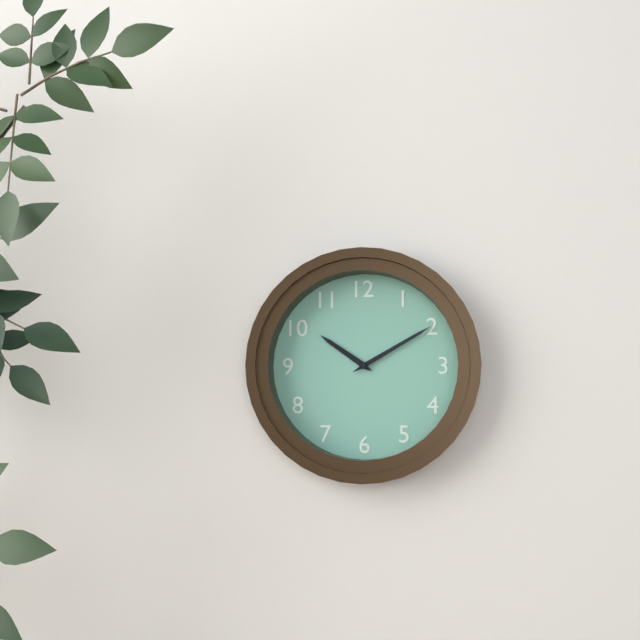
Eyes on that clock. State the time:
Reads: 10:10
